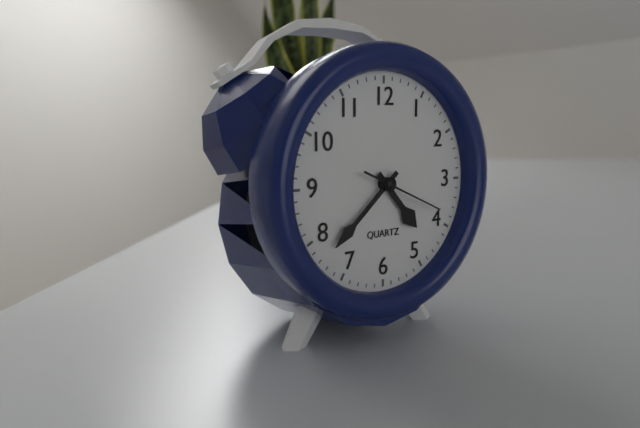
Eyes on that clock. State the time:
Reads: 4:38:19
